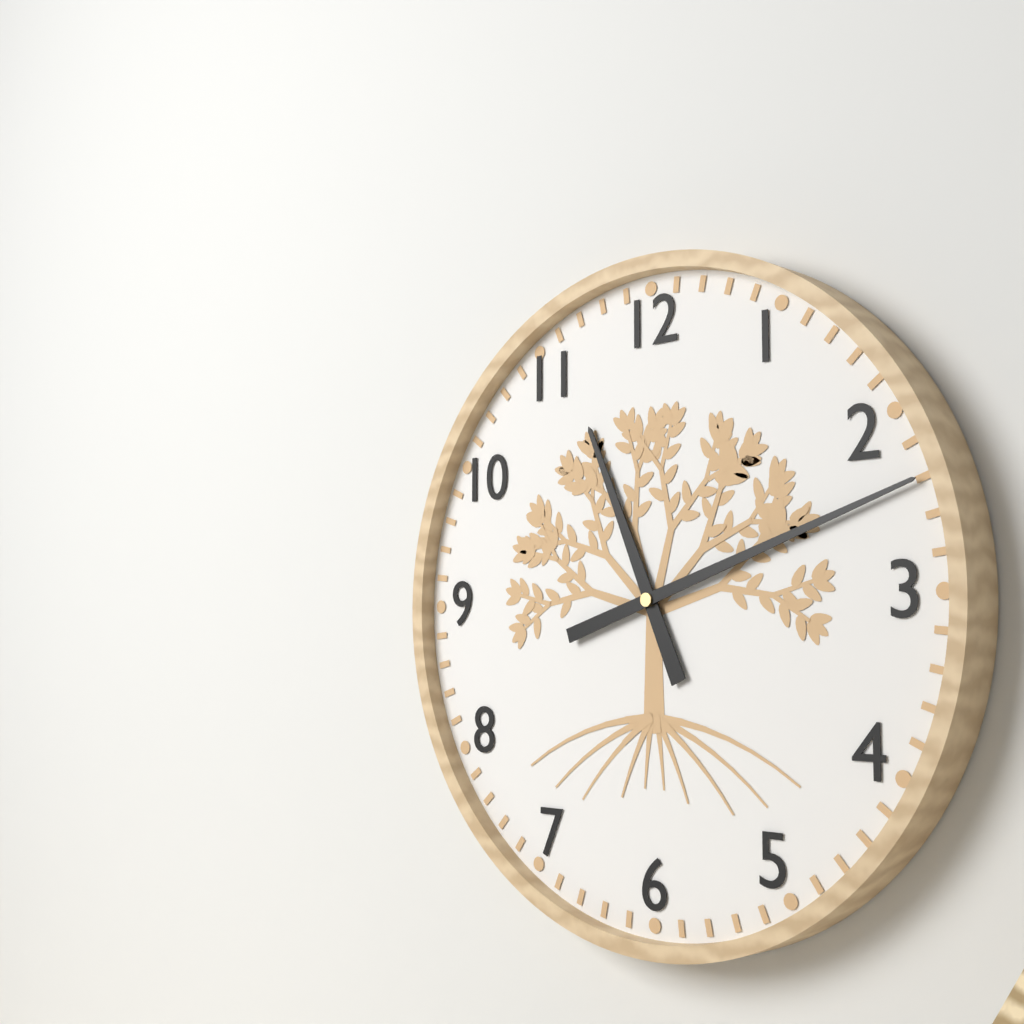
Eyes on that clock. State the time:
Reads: 11:12
